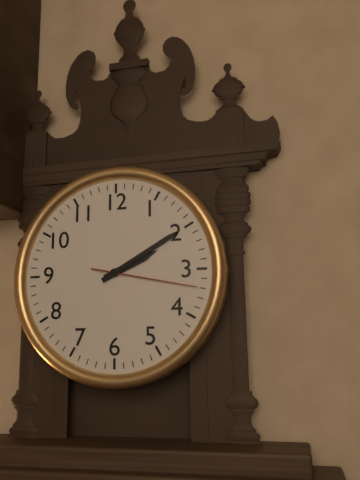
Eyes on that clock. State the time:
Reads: 2:10:17
